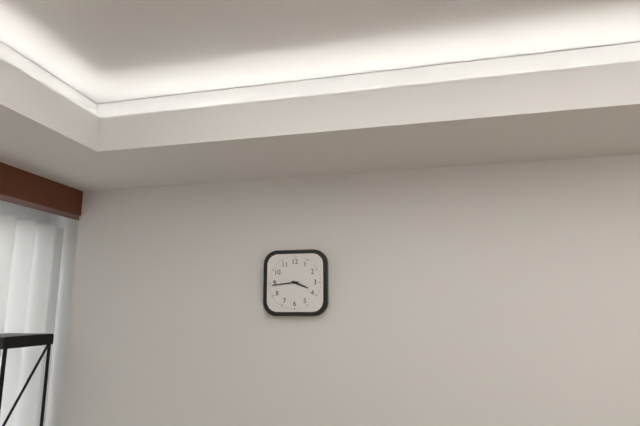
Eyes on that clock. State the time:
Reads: 3:44
